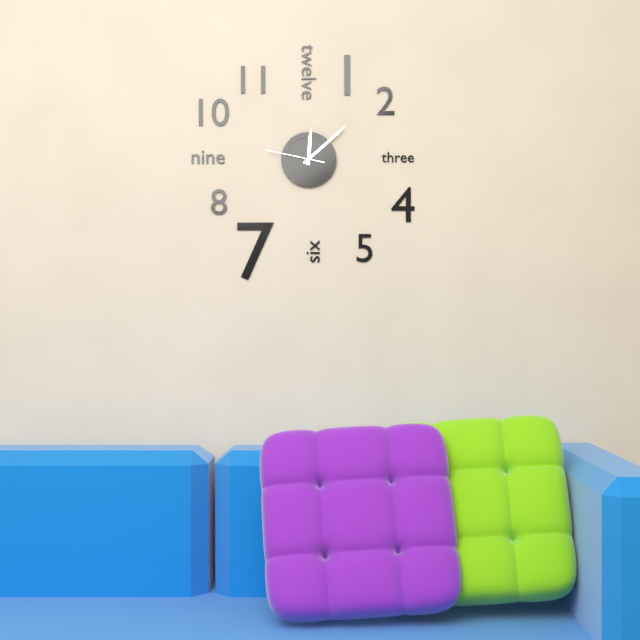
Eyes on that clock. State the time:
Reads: 12:08:47
